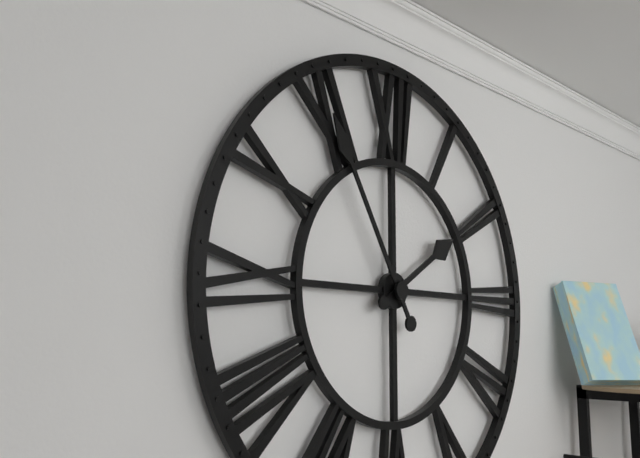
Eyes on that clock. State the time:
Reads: 1:55
